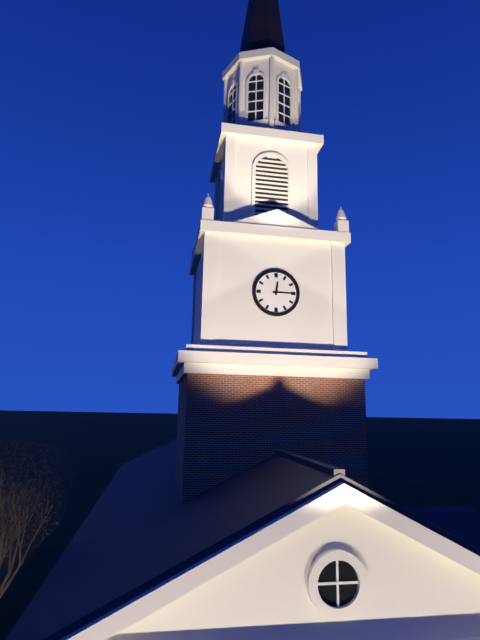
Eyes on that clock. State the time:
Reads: 12:15
